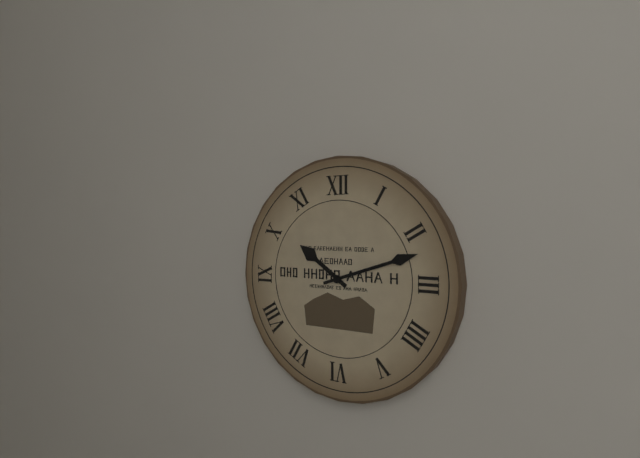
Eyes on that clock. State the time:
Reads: 10:12
